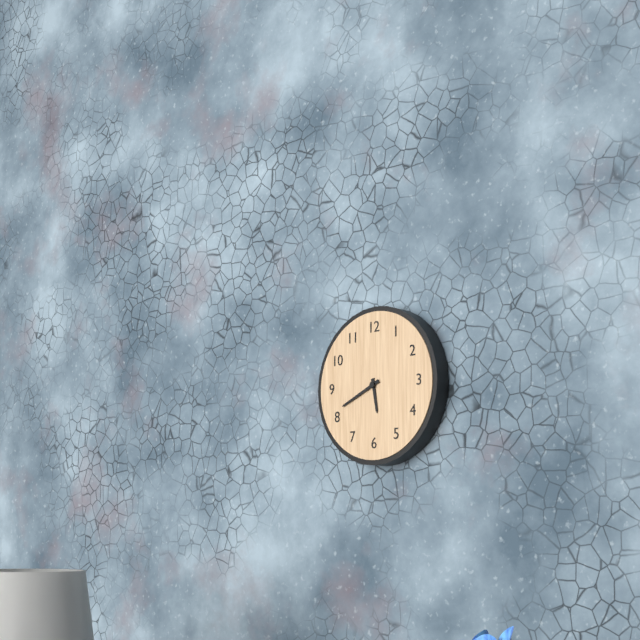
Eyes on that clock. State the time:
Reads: 5:41
